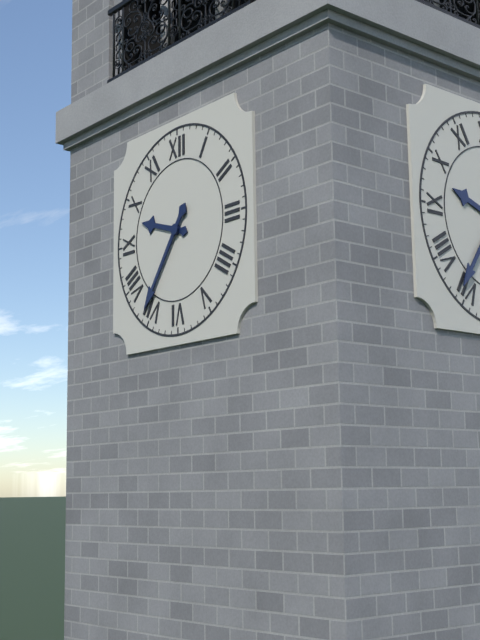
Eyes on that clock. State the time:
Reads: 9:36
